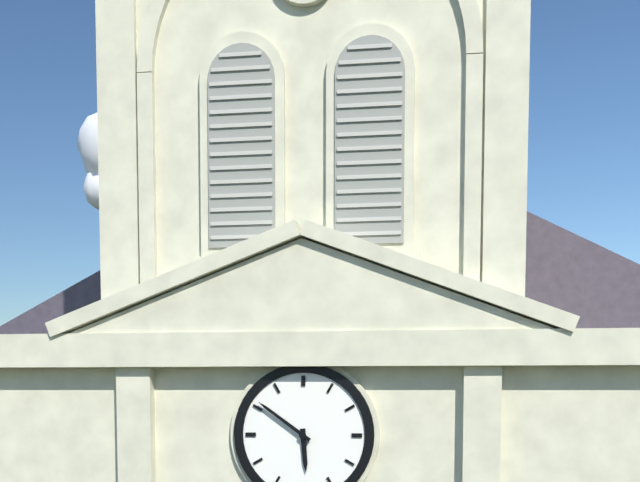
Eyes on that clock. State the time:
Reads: 5:51
